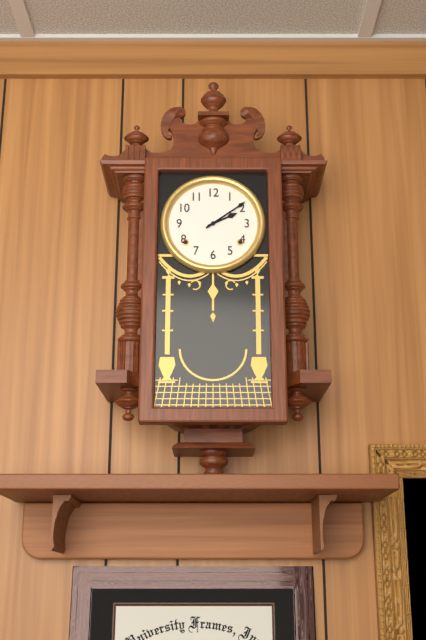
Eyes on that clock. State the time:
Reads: 2:09
